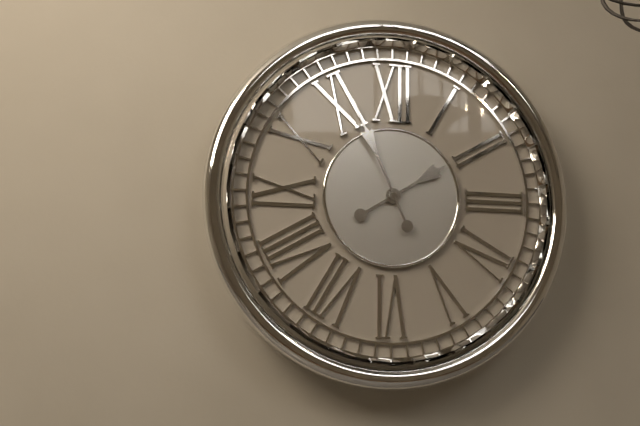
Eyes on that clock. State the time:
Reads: 1:56
